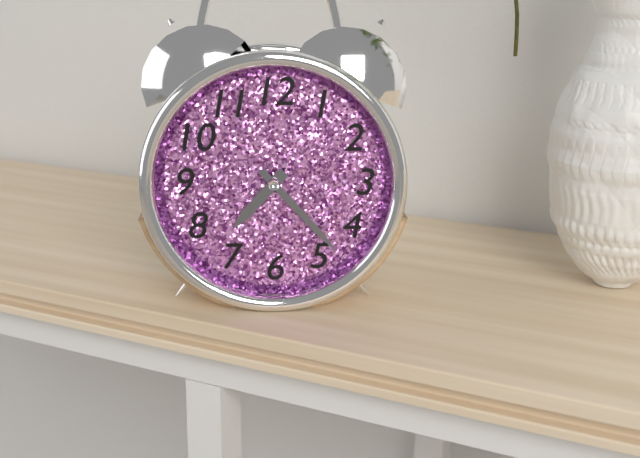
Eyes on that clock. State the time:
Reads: 7:23
